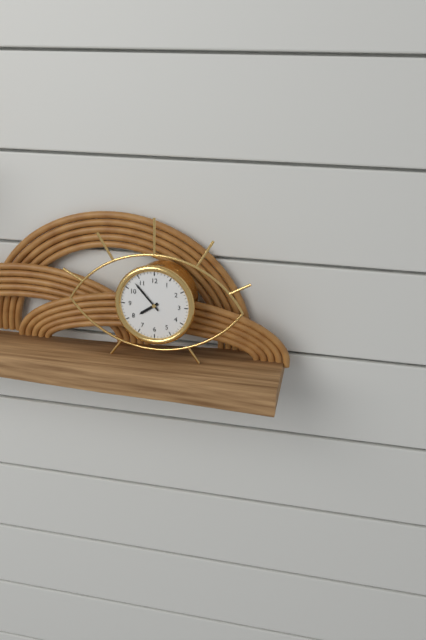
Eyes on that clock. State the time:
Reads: 7:53
